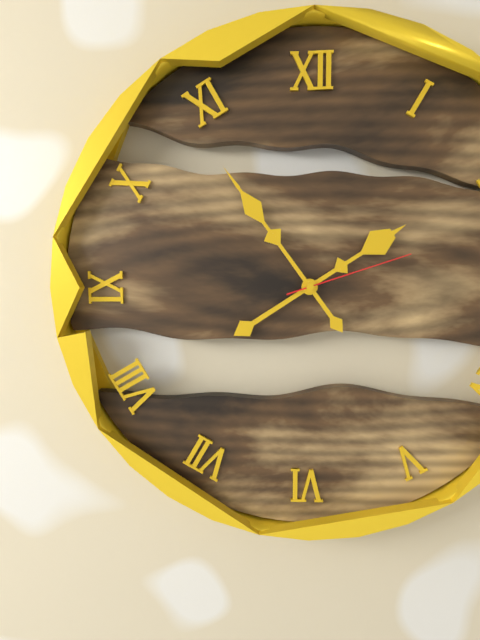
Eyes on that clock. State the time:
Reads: 1:54:12
